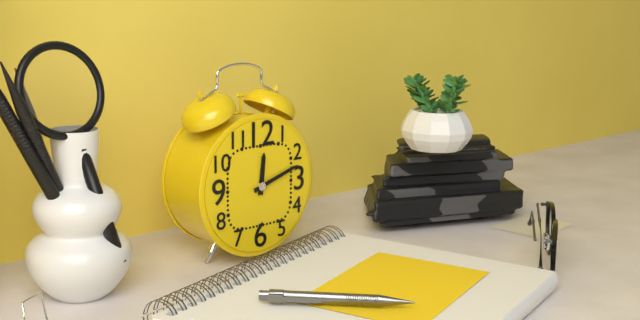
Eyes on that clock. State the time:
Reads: 12:12
